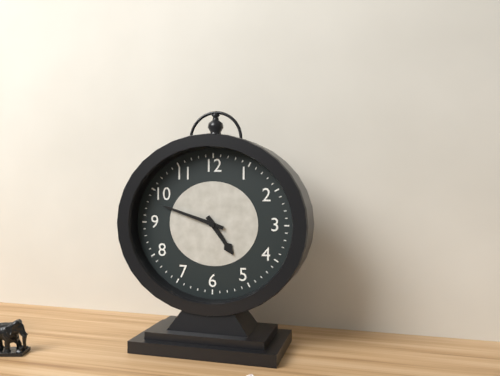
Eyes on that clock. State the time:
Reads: 4:48
